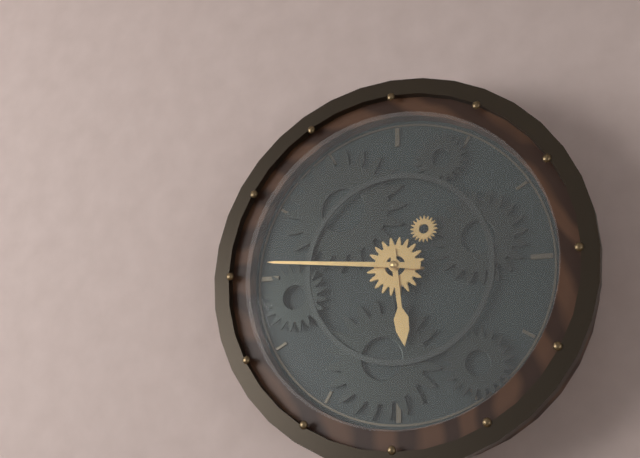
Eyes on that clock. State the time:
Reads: 5:46
